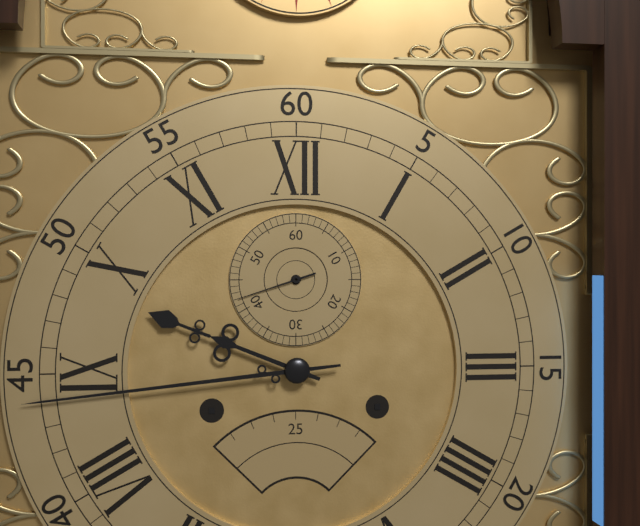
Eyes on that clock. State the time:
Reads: 9:44:42
